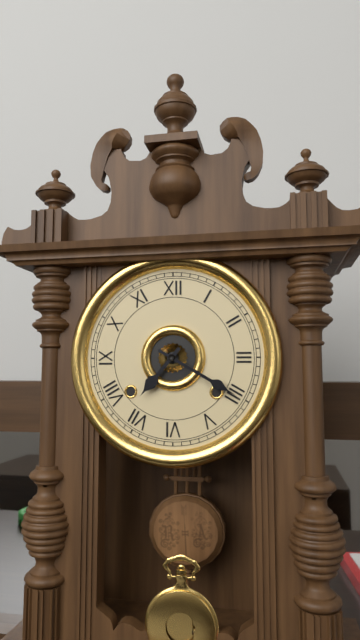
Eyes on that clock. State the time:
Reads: 7:20
